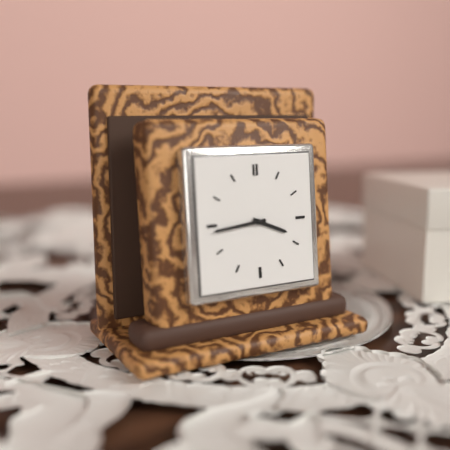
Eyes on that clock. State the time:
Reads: 3:44
